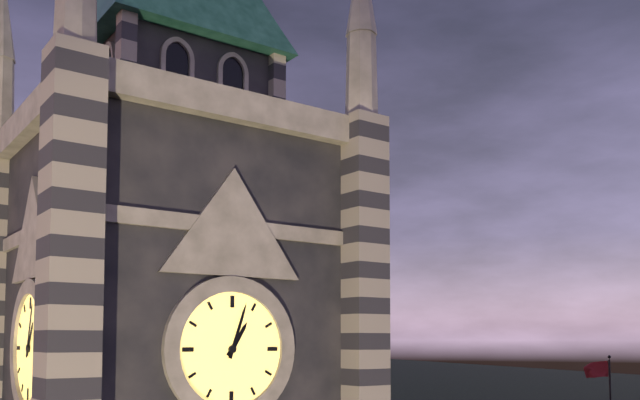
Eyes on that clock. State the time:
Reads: 1:03
